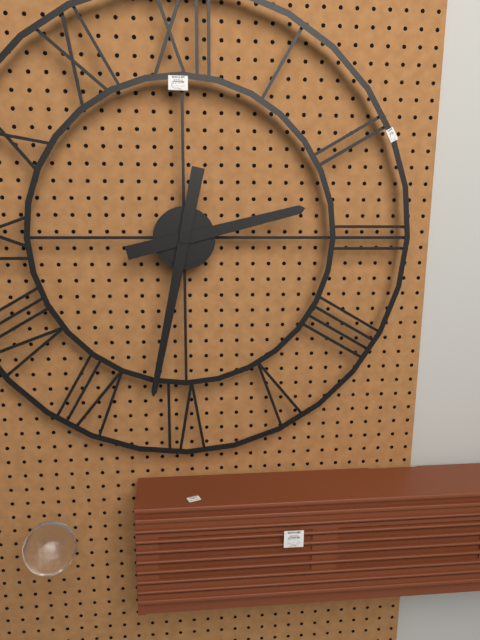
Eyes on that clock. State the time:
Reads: 2:32
